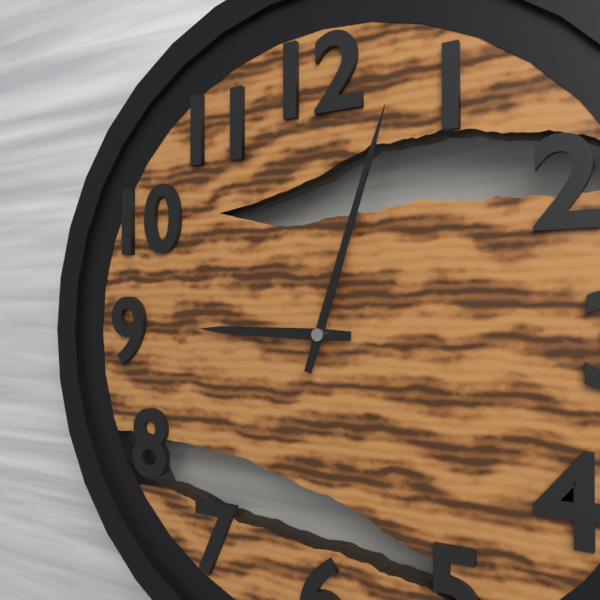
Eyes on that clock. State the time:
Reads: 9:03
